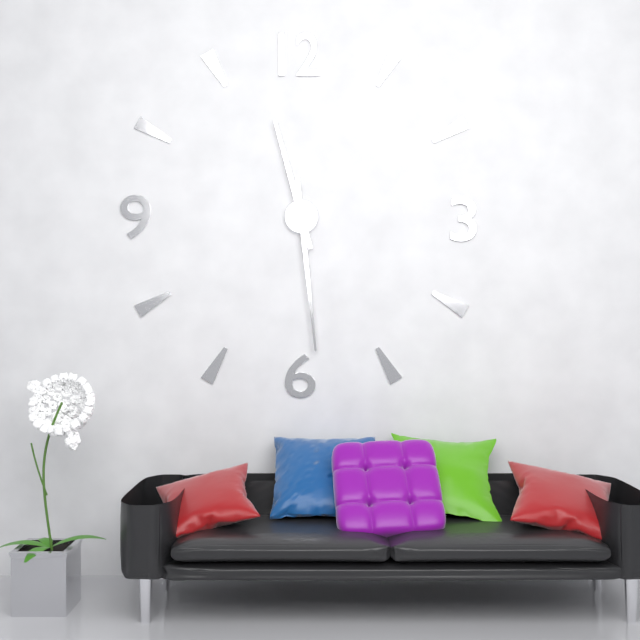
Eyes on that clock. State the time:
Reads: 11:29
